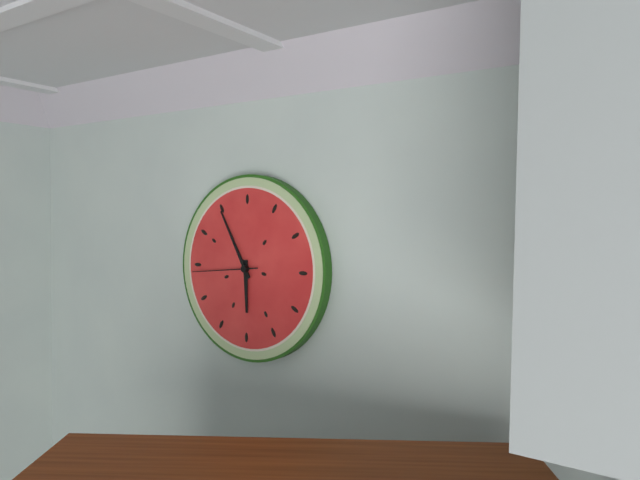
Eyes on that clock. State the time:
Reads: 5:55:44
